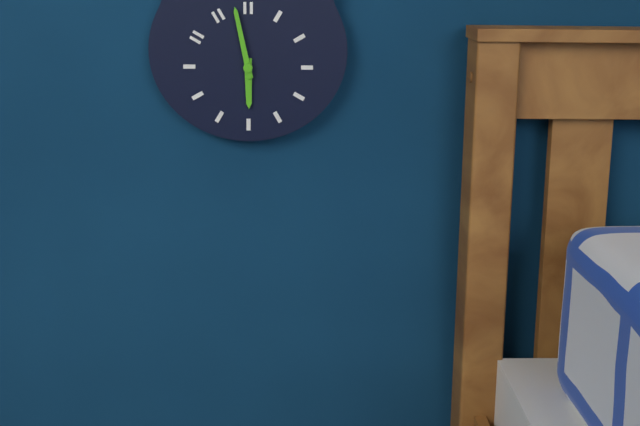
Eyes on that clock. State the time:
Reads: 5:58
